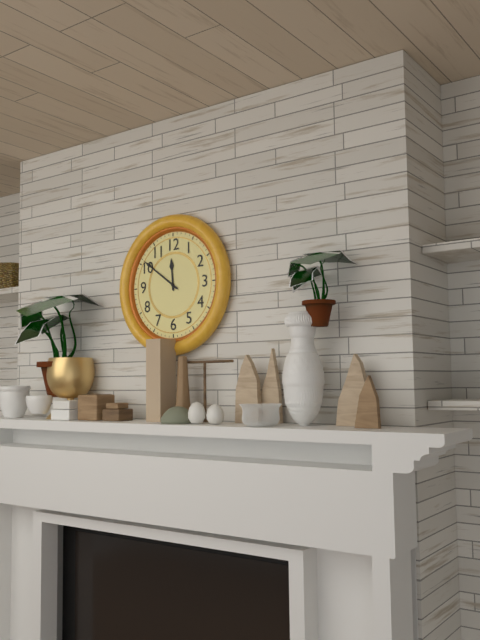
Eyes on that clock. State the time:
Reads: 11:51
